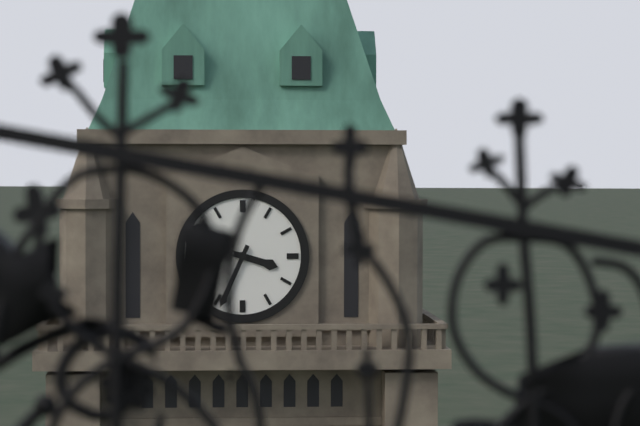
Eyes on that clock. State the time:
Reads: 3:34
